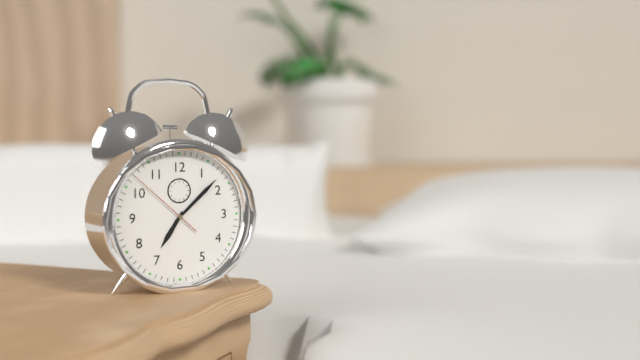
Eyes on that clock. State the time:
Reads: 7:08:52
